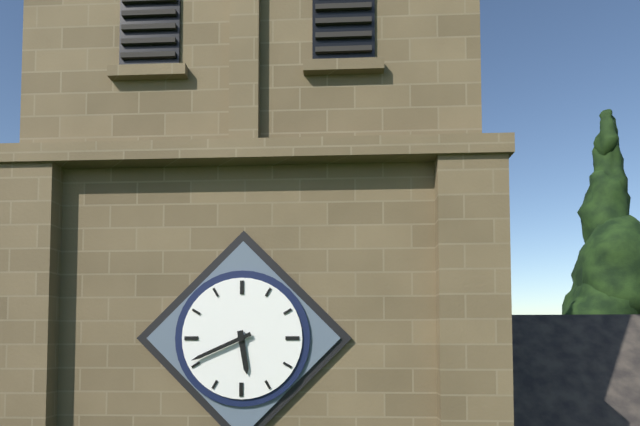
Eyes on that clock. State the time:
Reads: 5:41
